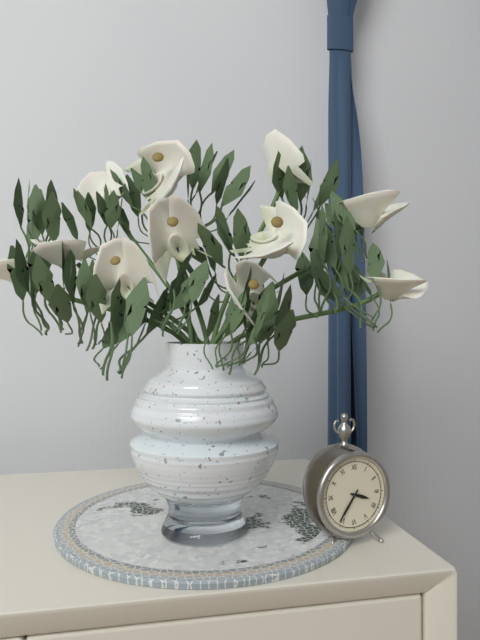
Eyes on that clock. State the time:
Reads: 3:36
